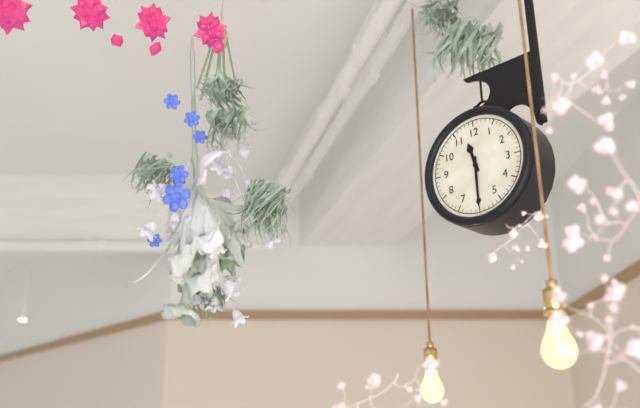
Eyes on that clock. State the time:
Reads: 11:30
